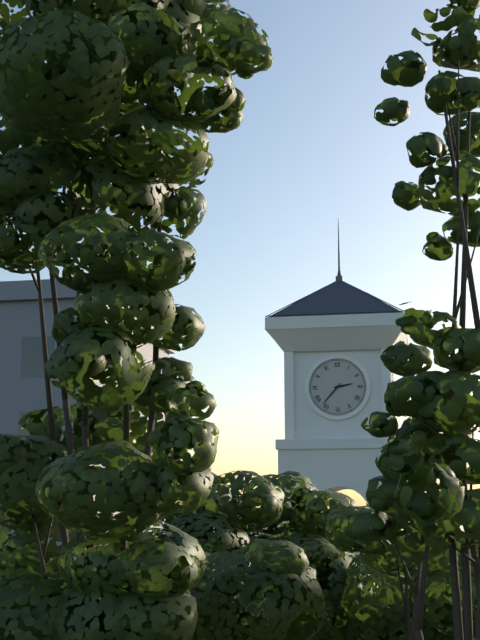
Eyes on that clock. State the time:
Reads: 2:37
